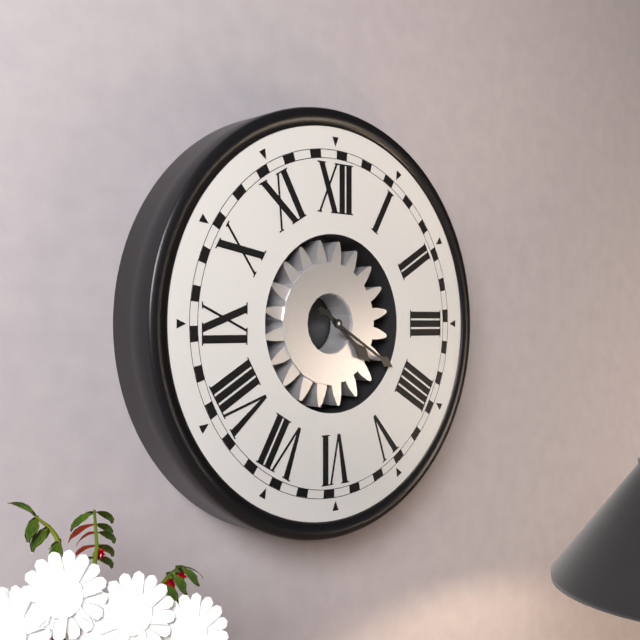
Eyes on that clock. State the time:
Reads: 4:20
